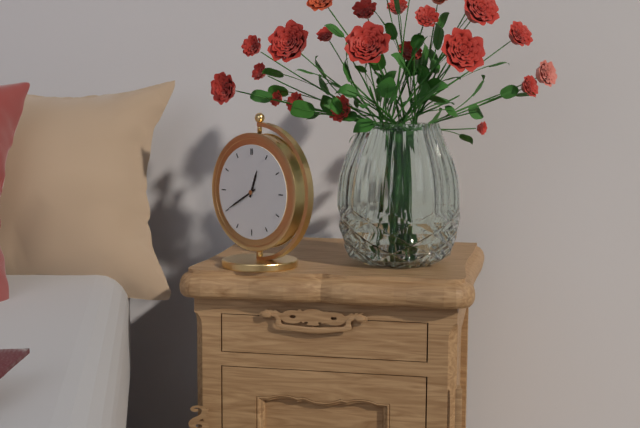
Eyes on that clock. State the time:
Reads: 12:40
